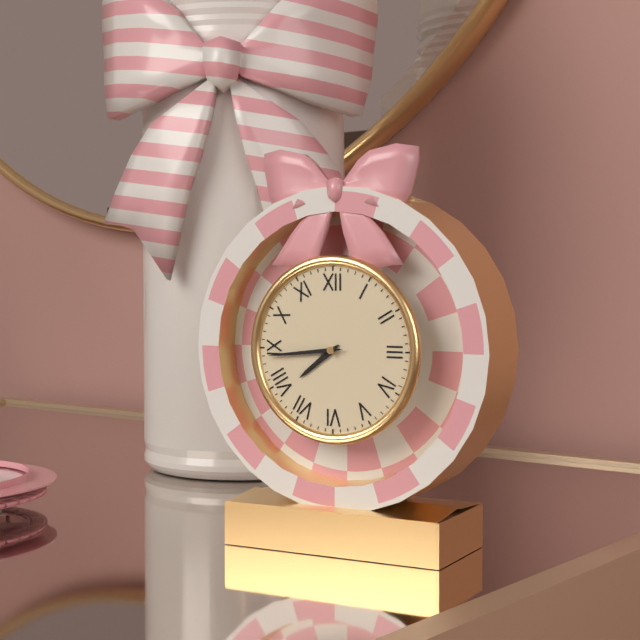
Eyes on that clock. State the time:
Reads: 7:44
